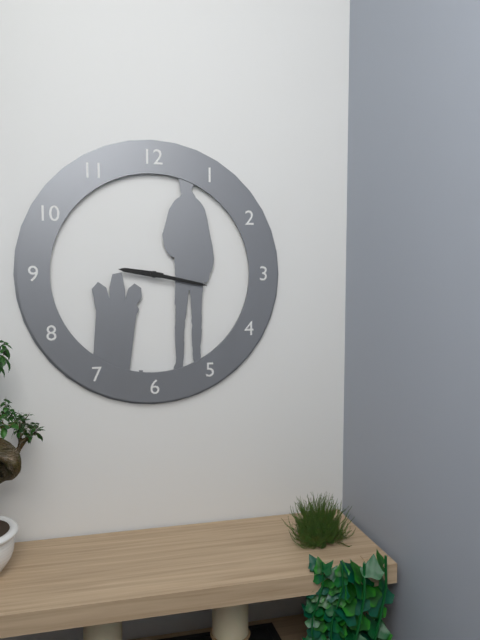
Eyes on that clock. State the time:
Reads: 9:17
